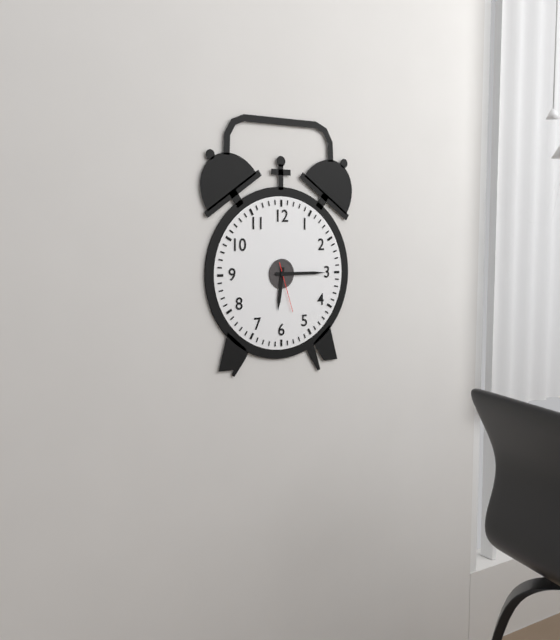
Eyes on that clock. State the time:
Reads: 6:15
